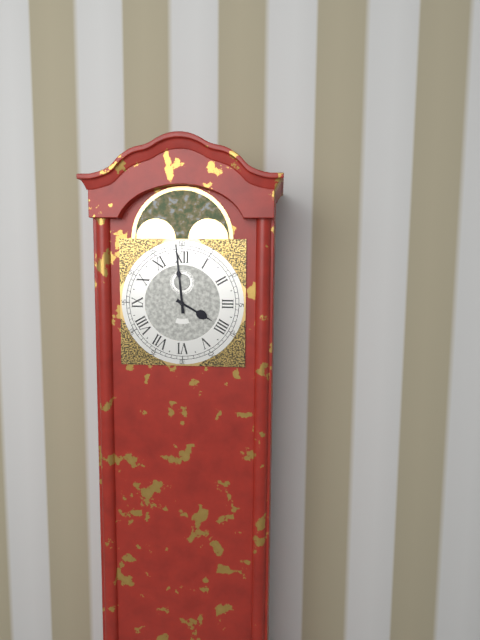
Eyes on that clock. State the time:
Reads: 3:59
